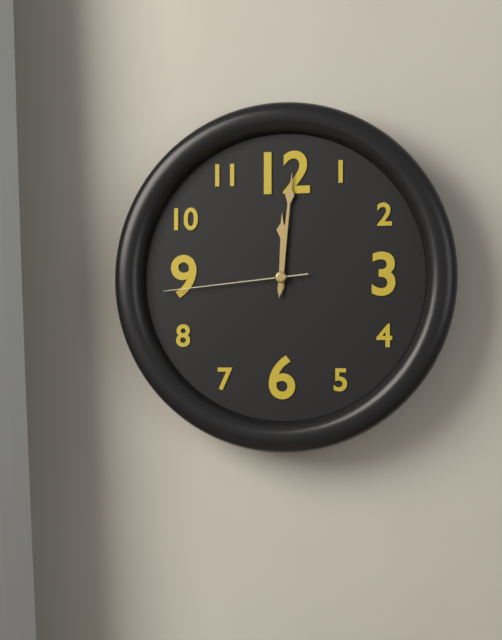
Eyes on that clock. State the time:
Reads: 12:01:44
